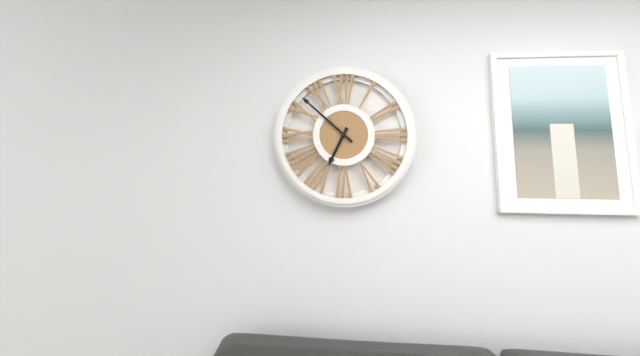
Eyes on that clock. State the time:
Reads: 6:52
